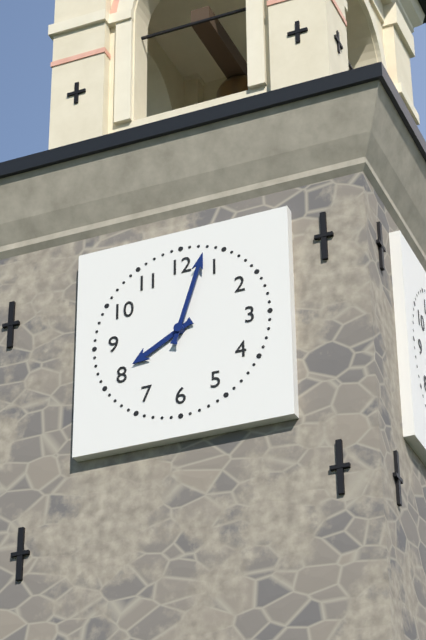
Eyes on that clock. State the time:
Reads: 8:03
